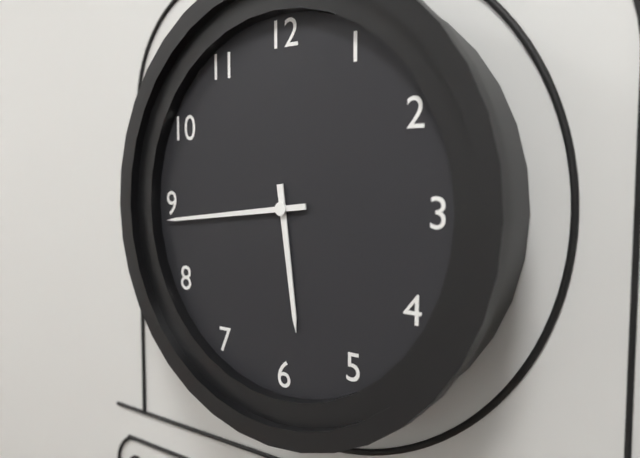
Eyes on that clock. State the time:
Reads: 5:44
